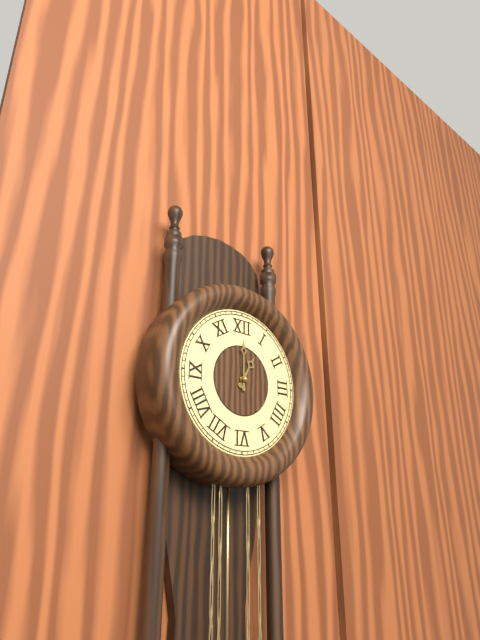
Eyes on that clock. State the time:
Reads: 1:00
